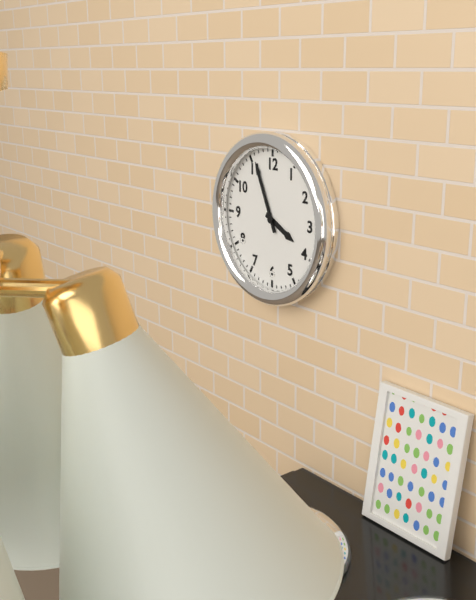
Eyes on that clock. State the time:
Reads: 3:56
